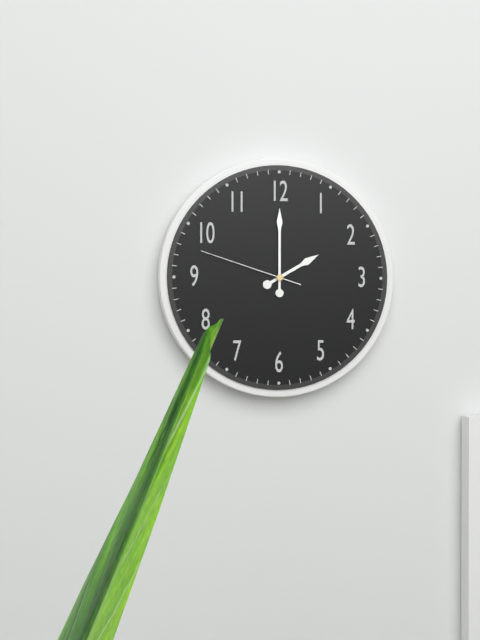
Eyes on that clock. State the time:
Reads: 2:00:48
